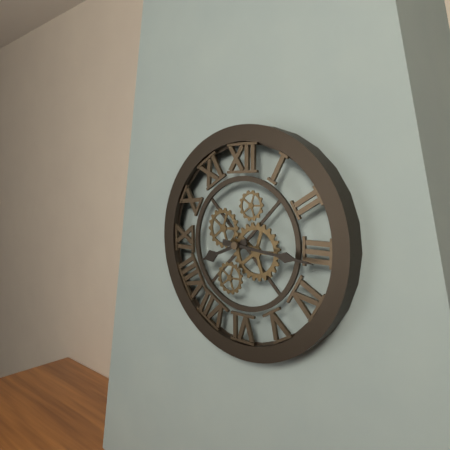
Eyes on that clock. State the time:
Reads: 8:16
